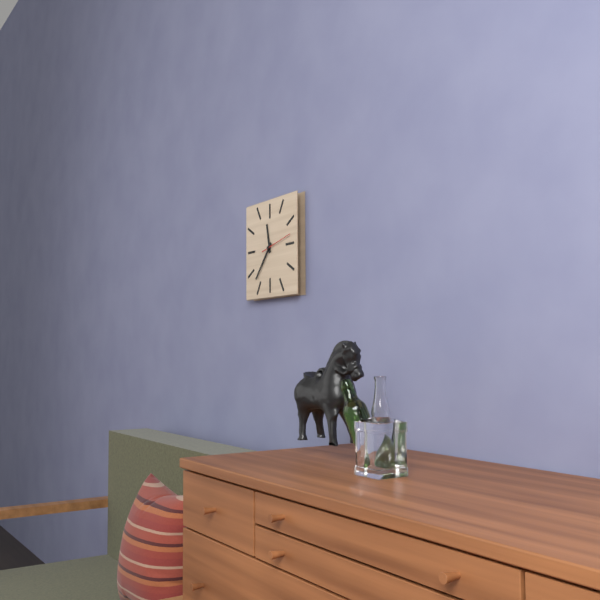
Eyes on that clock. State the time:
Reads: 11:37
